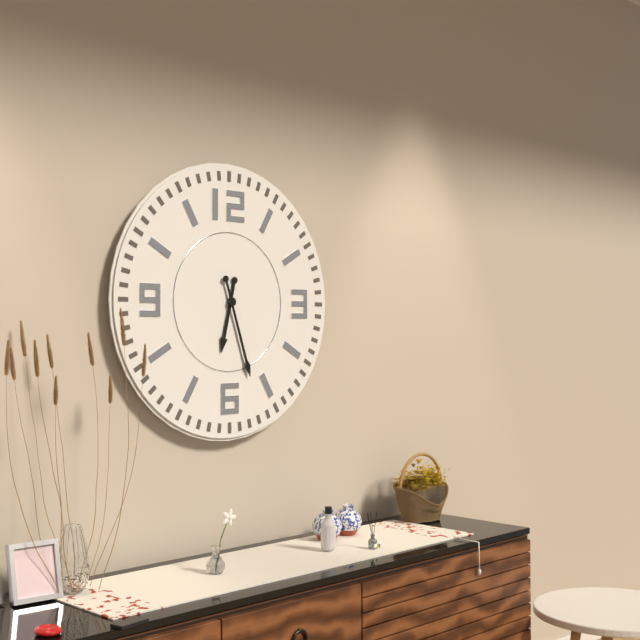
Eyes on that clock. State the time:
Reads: 6:27
